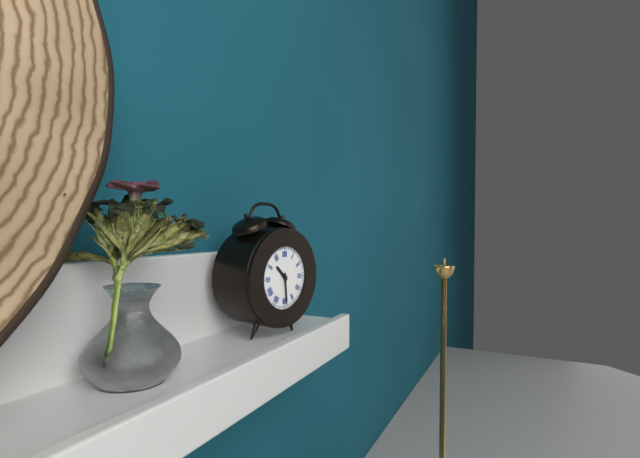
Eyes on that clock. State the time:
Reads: 10:29
